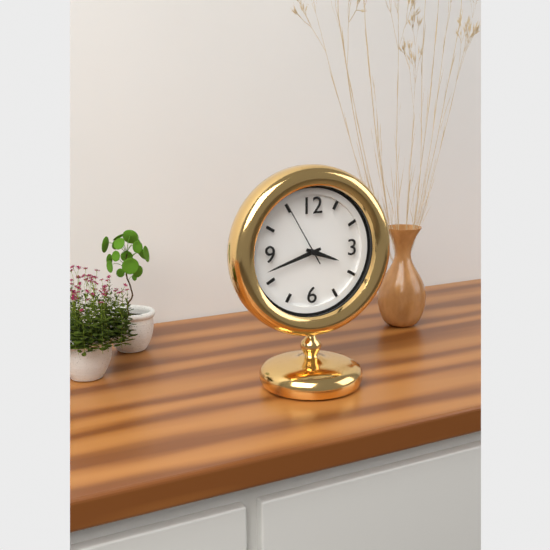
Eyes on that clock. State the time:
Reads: 3:42:55
